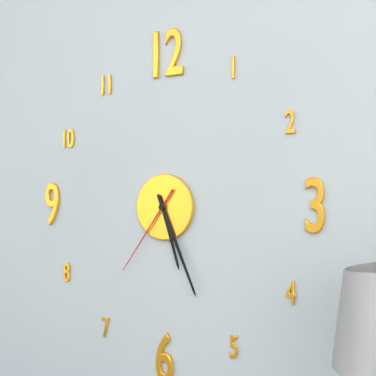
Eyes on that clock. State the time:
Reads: 5:26:36
